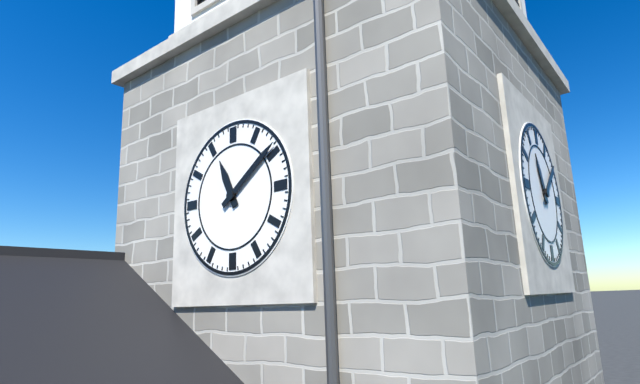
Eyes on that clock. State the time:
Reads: 11:09
